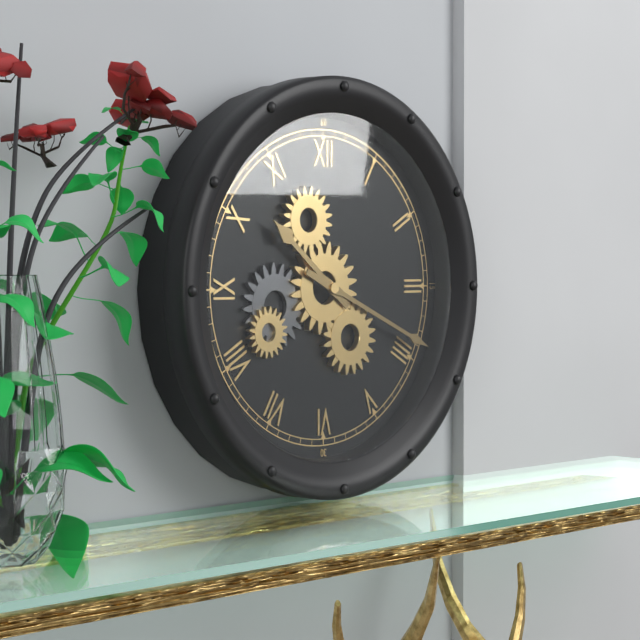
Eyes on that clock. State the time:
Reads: 10:19
